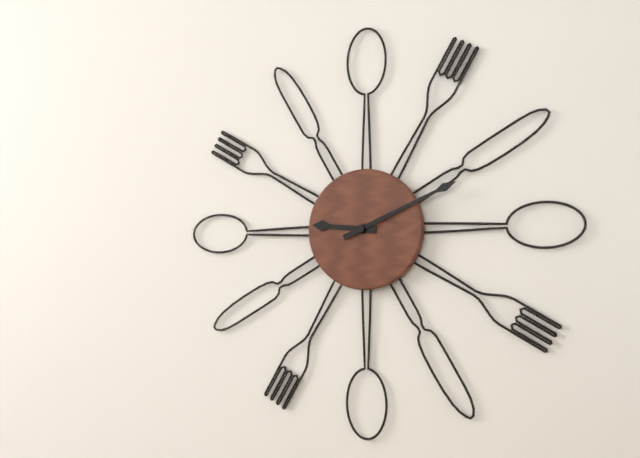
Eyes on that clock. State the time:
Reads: 9:11
